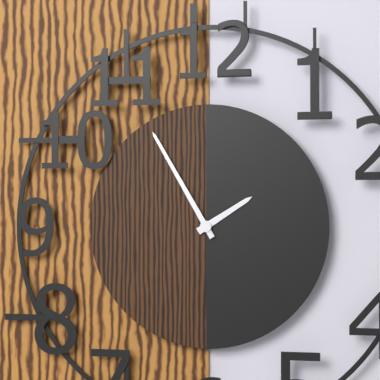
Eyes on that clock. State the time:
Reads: 1:55
